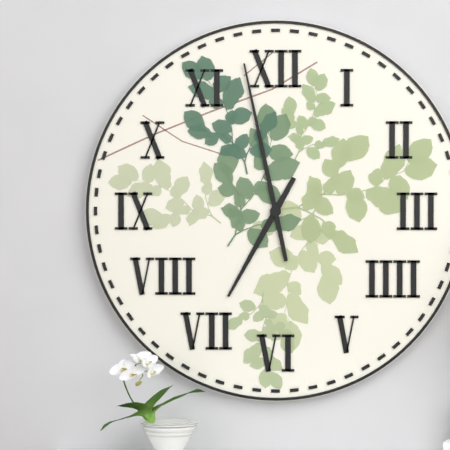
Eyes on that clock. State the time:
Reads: 6:58
